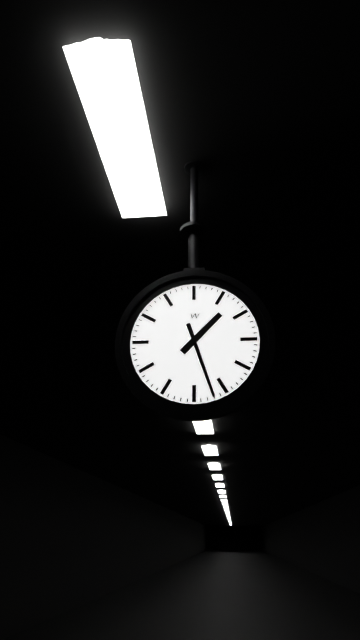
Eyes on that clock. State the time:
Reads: 1:27
